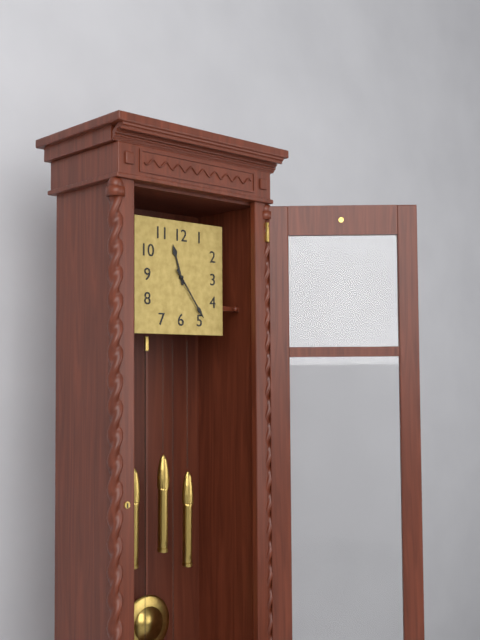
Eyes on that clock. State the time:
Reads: 11:24
